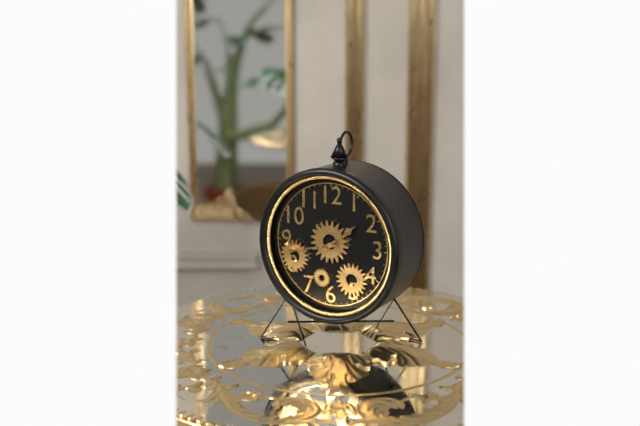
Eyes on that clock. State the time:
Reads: 1:43
